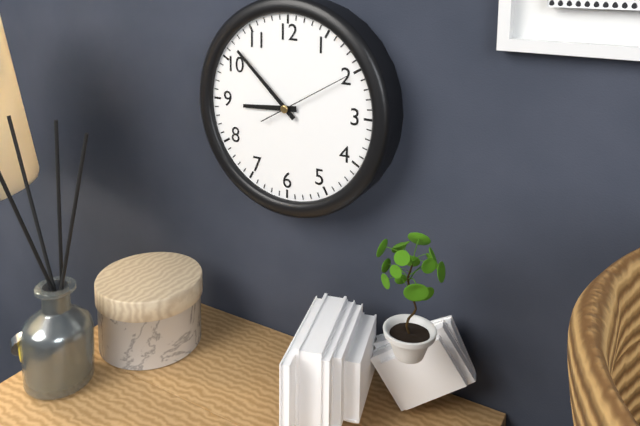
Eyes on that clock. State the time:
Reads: 8:52:10
